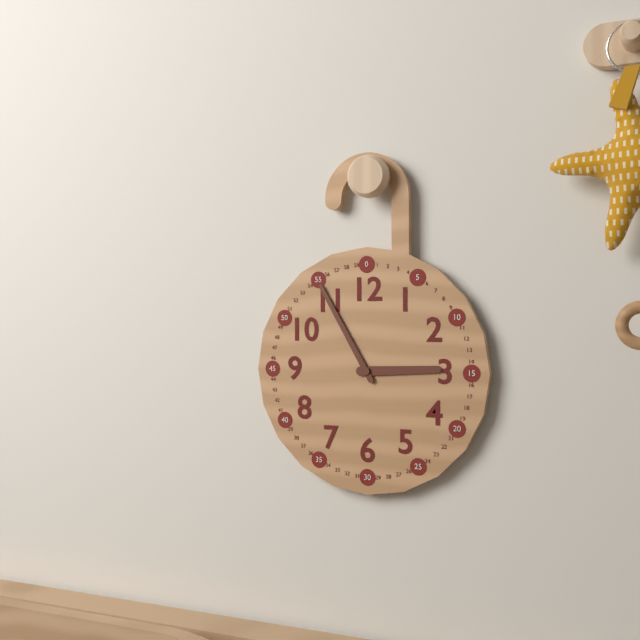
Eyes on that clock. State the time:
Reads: 2:55
